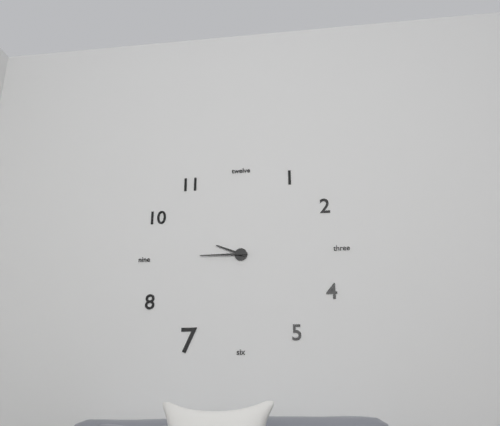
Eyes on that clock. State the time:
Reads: 9:45
